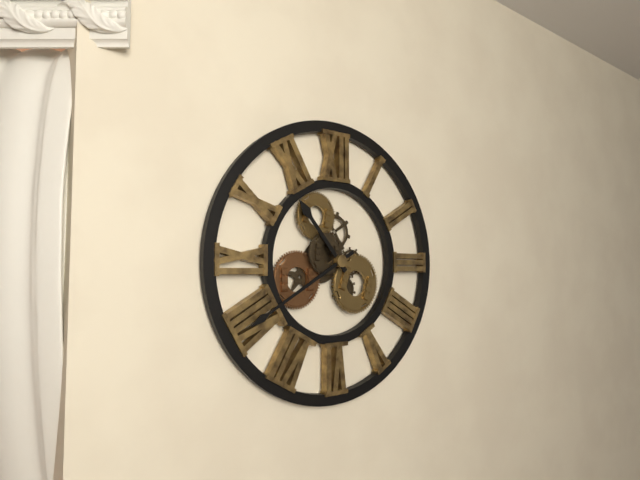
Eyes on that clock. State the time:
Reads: 10:40
